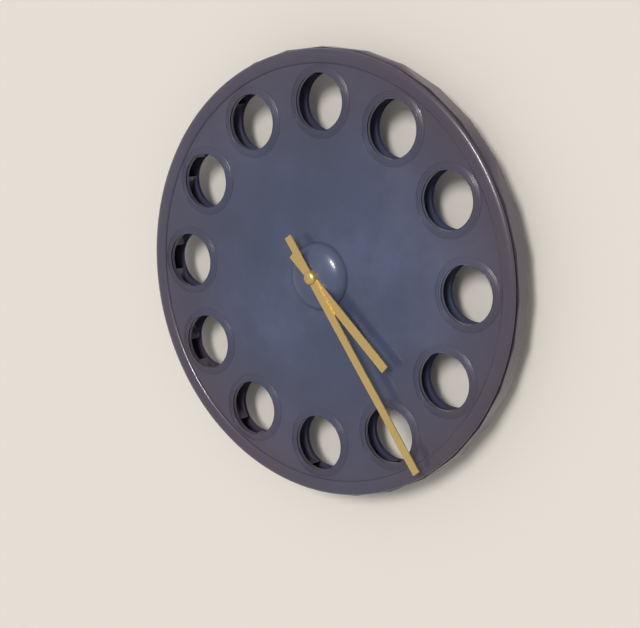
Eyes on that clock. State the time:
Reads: 4:24
